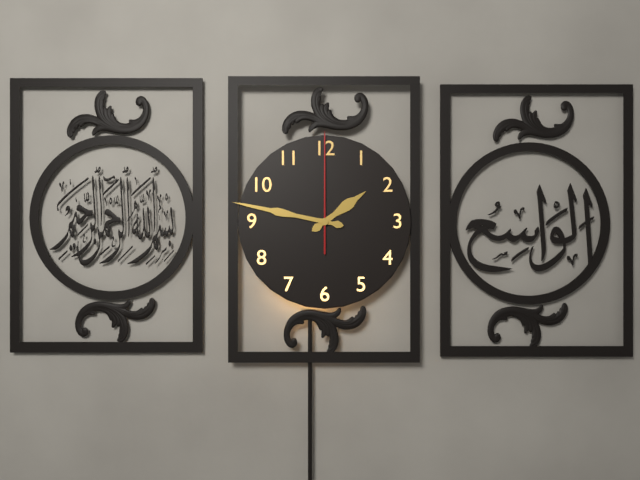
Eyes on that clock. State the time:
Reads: 1:47:00
